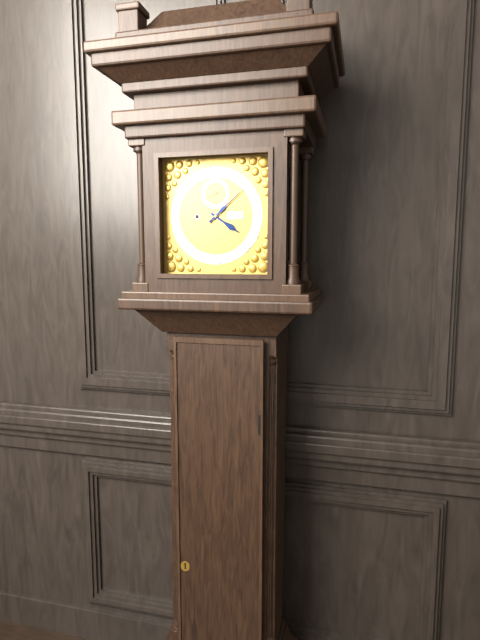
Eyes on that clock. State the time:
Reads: 4:08
